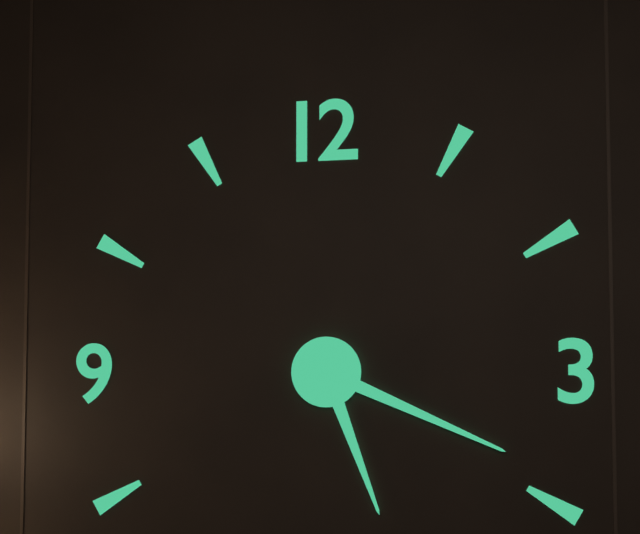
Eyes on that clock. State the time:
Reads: 5:19
